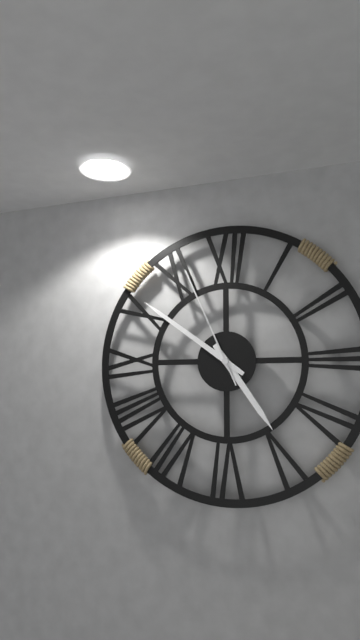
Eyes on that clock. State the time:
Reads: 4:51:56
